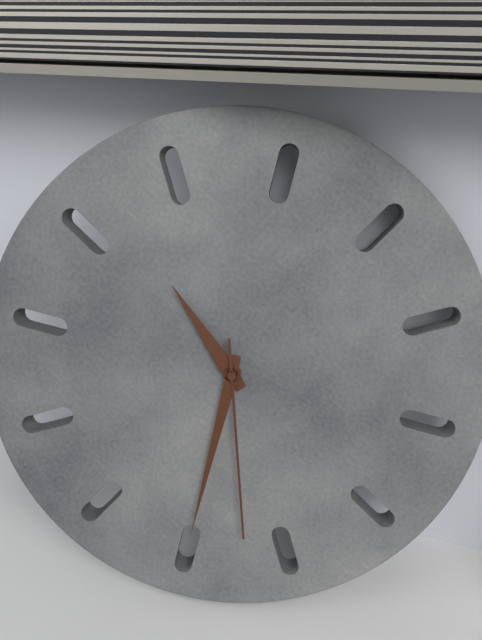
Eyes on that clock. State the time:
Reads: 9:25:22
